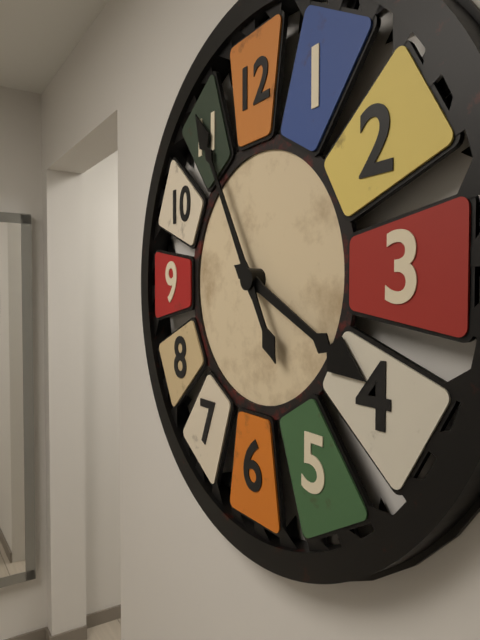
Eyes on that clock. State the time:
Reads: 3:55
